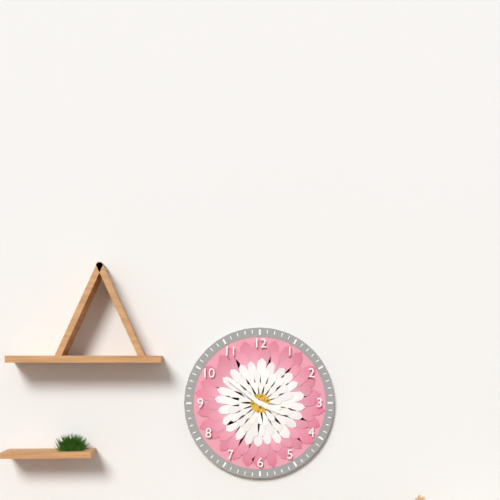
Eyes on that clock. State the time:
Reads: 3:51
